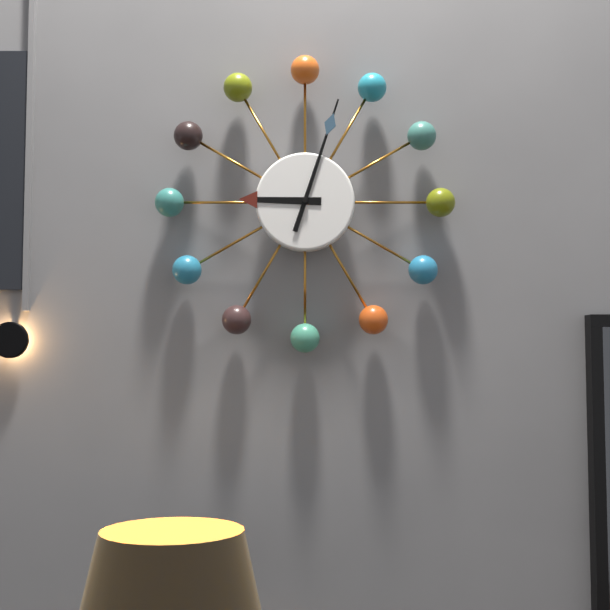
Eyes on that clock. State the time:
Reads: 9:03
